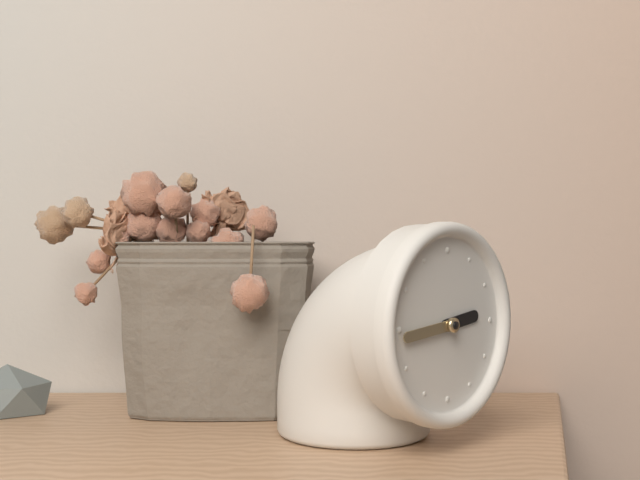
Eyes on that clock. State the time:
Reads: 2:44
